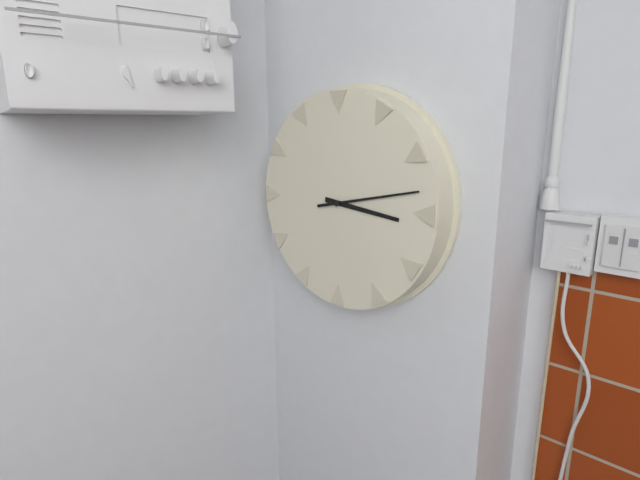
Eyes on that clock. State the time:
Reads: 3:13
